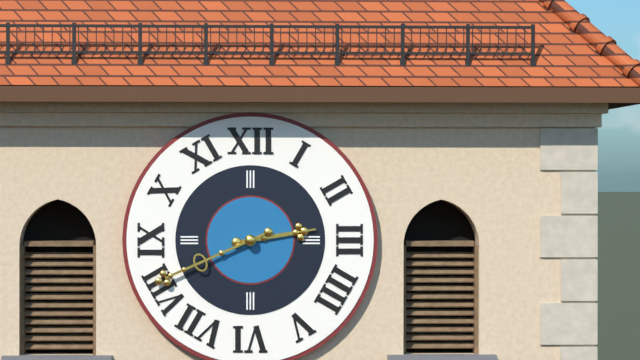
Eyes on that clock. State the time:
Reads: 2:41
